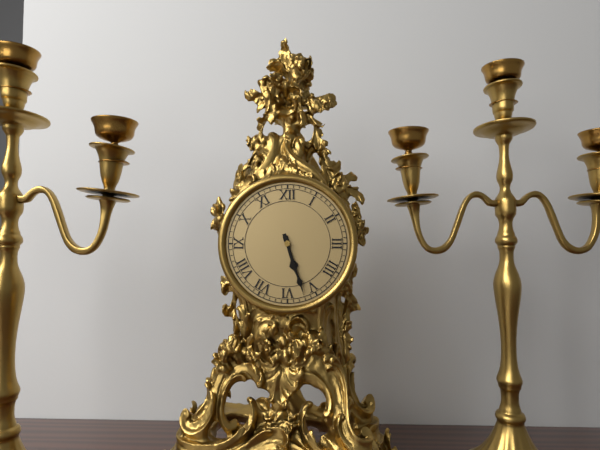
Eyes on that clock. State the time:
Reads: 5:27
